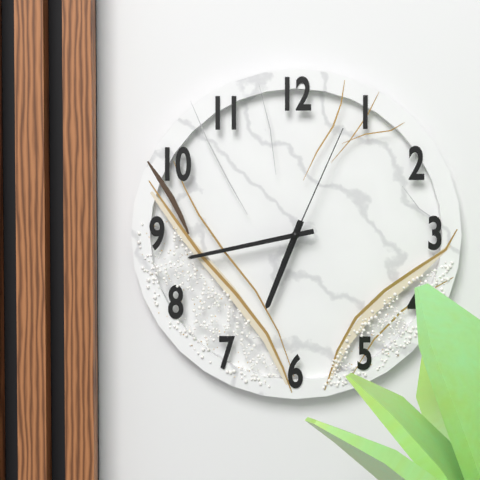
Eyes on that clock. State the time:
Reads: 6:43:04
